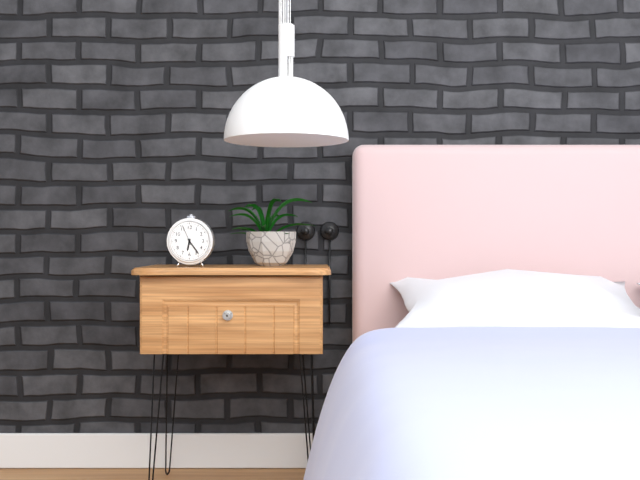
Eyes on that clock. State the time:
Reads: 6:24
